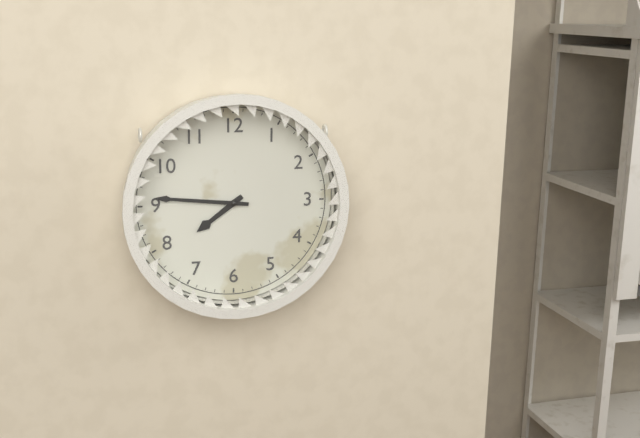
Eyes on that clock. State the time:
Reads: 7:46
